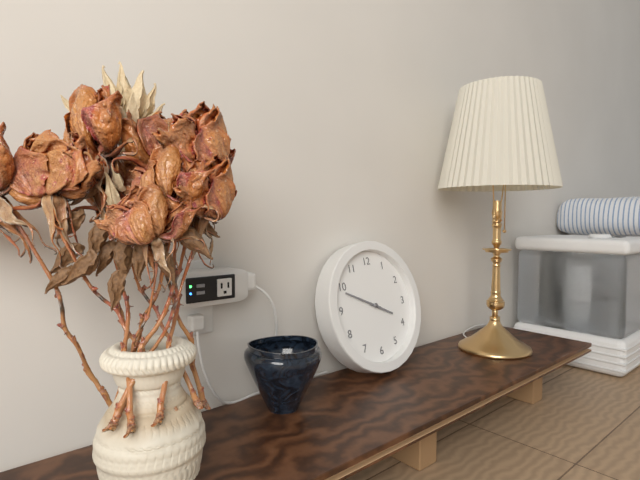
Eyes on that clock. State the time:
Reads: 3:49
